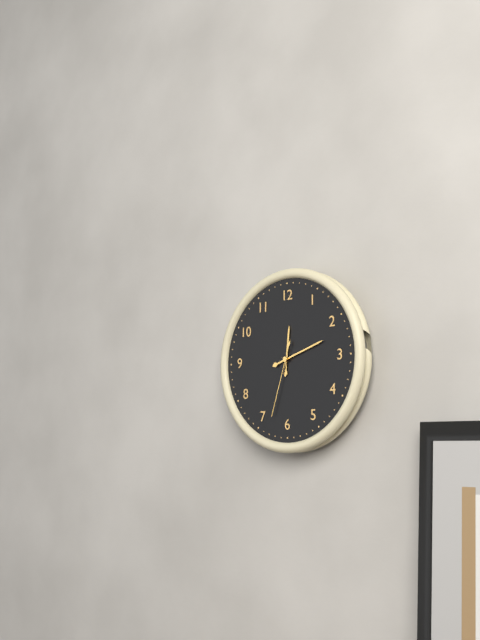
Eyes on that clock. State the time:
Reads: 12:12:33
